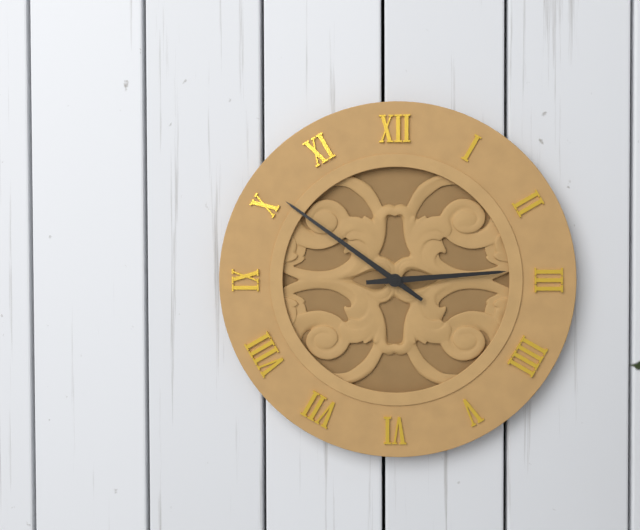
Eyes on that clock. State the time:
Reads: 2:51
